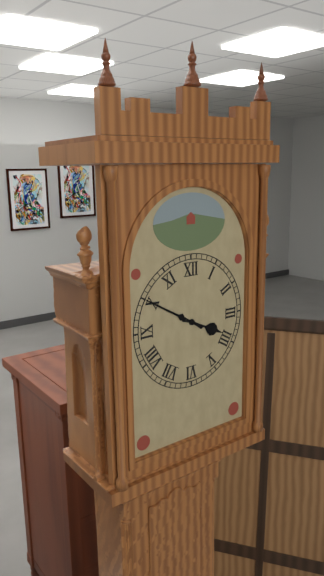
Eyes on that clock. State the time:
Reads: 3:50
